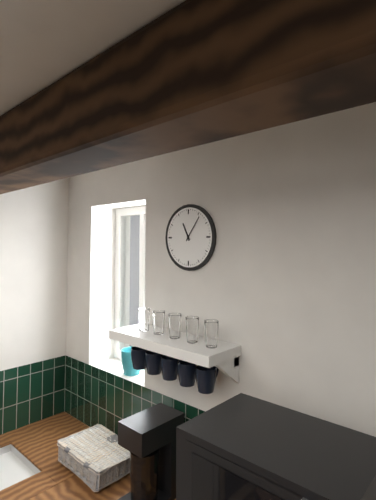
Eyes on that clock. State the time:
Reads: 11:06
